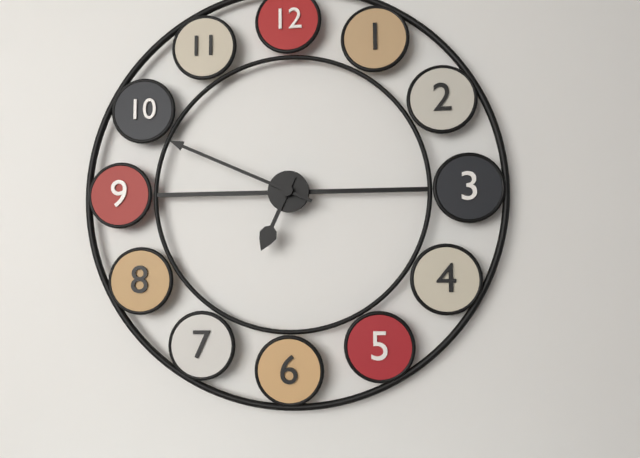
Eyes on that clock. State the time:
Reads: 6:49
